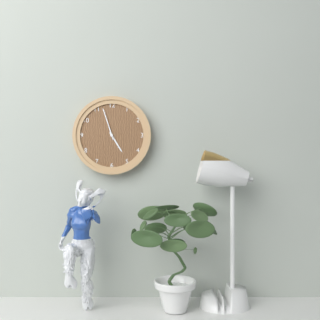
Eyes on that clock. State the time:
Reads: 4:57
